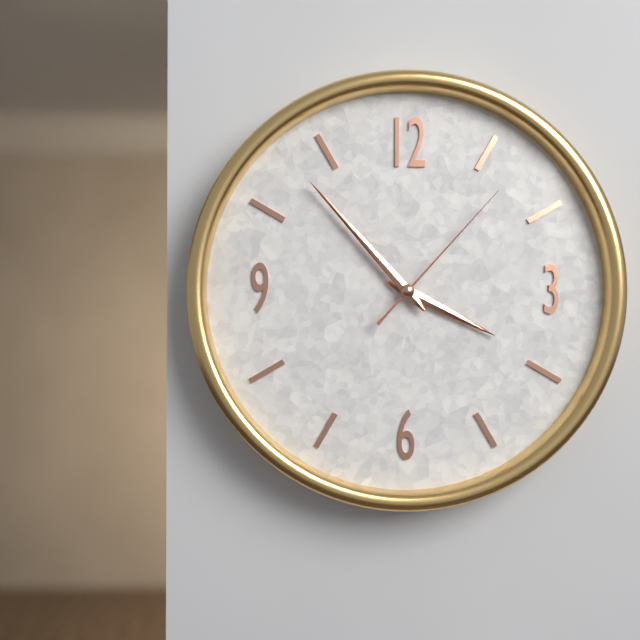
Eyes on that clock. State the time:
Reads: 3:53:07
